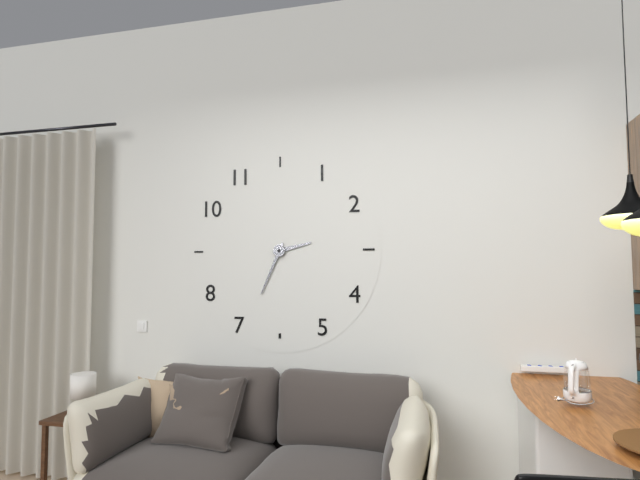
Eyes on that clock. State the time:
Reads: 2:34
